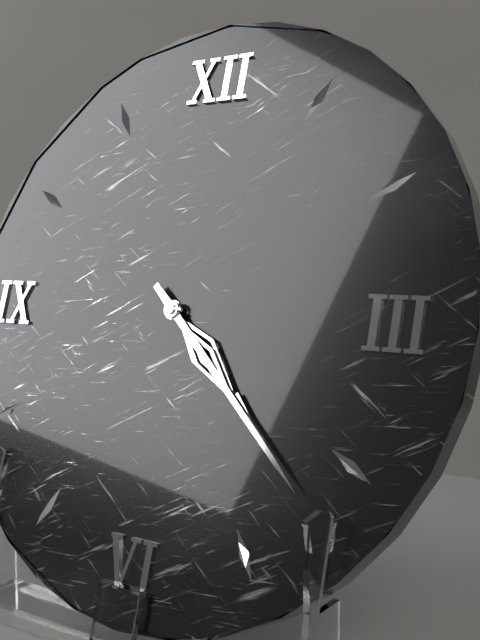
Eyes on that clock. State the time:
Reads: 4:22
